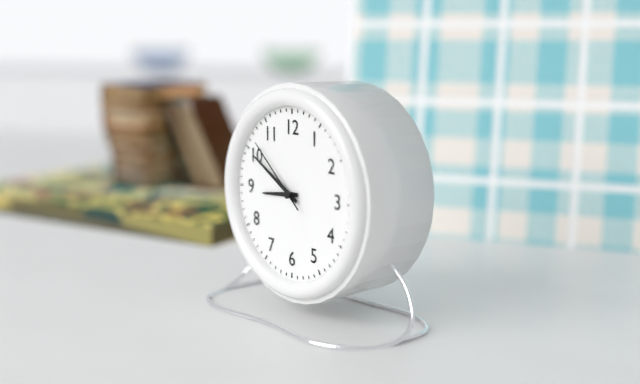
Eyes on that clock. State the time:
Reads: 8:50:52
